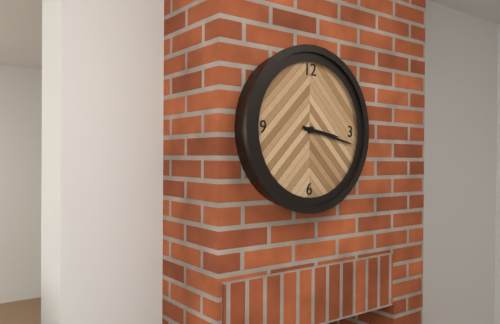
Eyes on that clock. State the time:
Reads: 3:17
